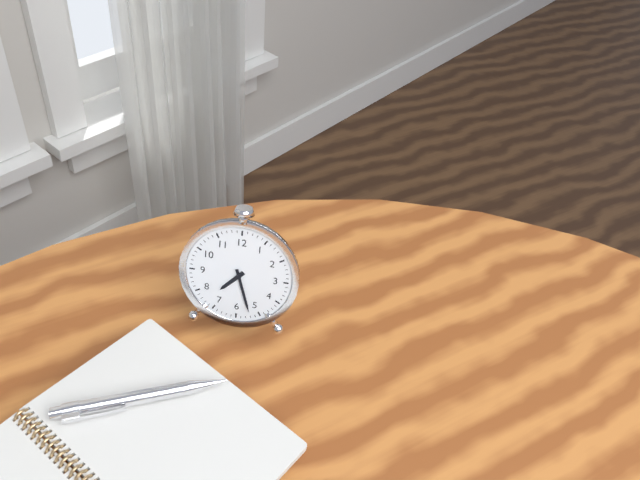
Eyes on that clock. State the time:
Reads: 7:27
